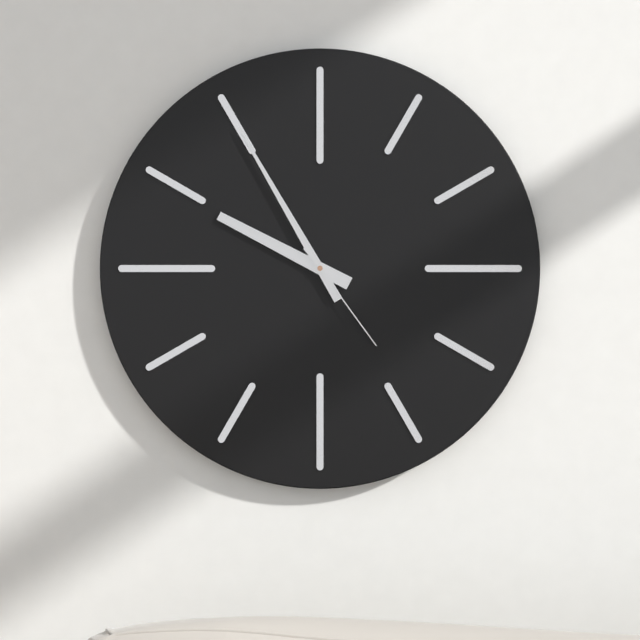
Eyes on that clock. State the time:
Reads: 9:55:24
